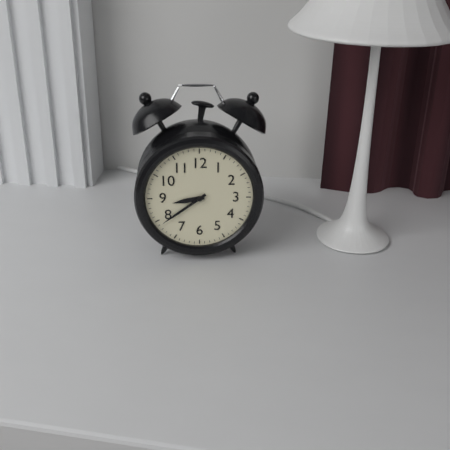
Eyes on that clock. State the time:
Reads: 8:39
